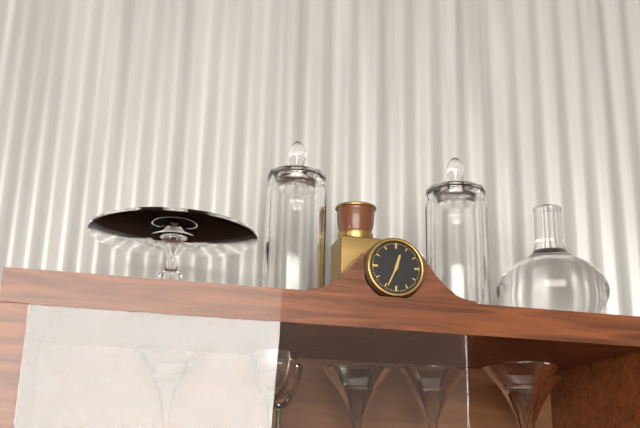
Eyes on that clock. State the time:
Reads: 12:34
